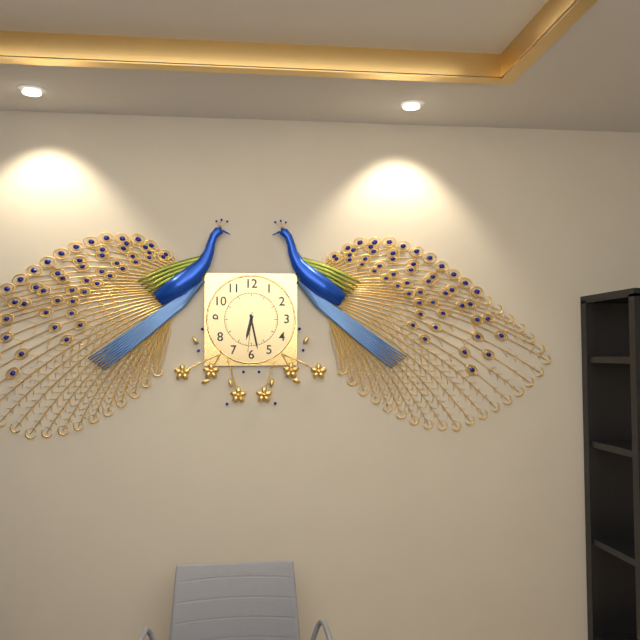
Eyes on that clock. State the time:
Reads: 6:28
